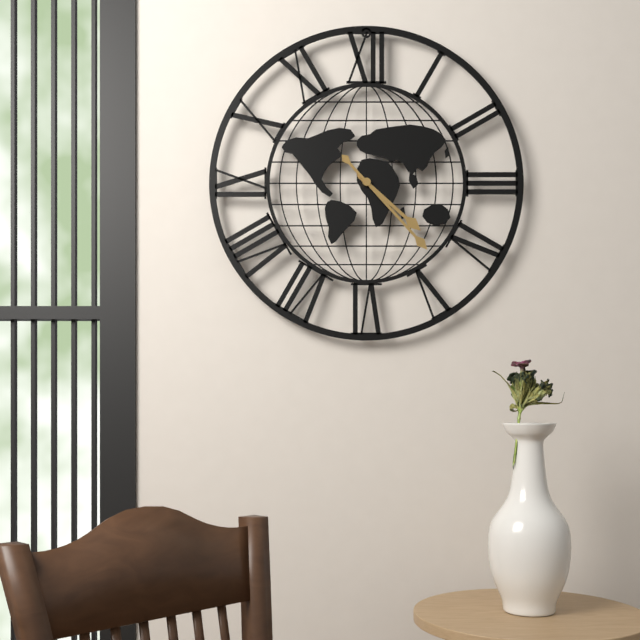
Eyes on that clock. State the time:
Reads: 4:23
